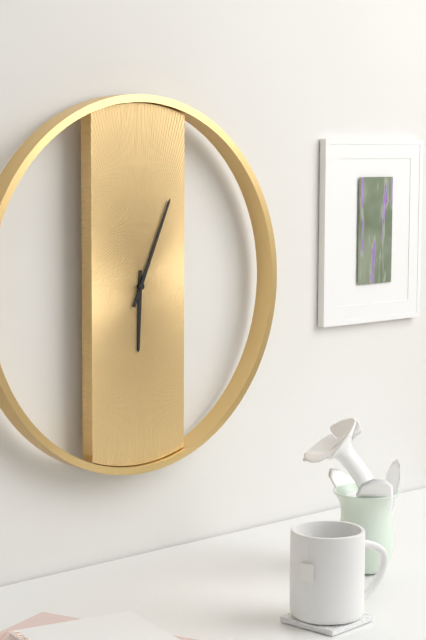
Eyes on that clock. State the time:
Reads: 6:04
